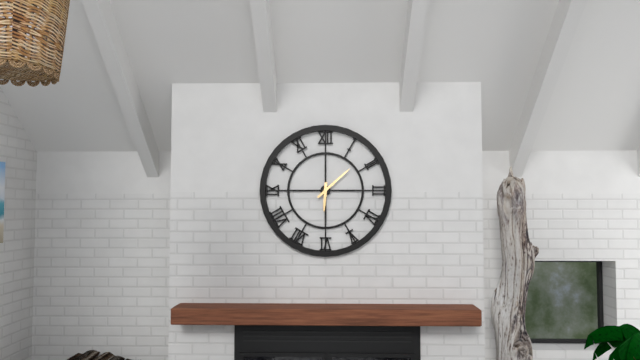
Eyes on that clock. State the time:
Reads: 6:08
